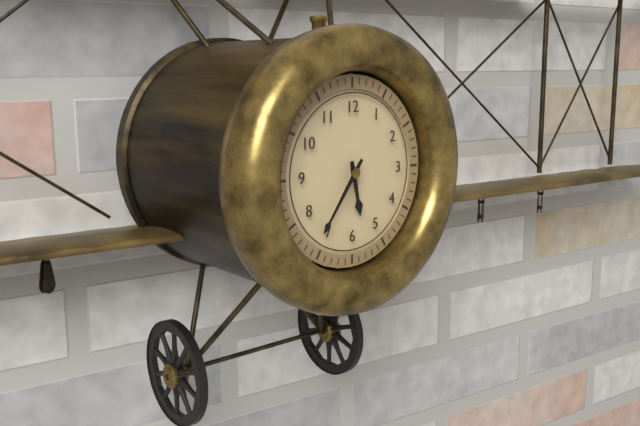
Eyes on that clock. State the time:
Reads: 5:36
